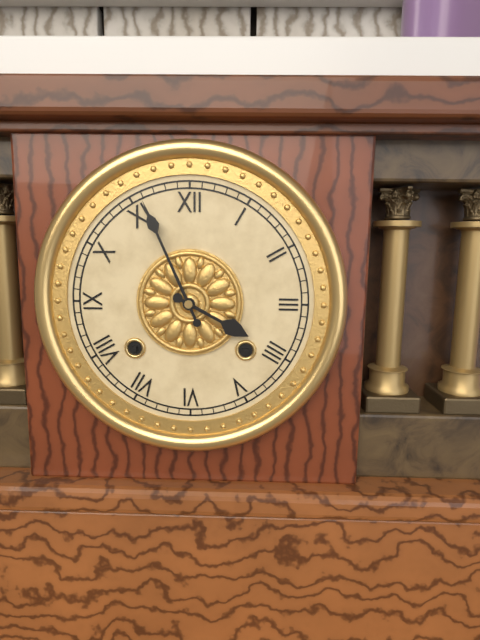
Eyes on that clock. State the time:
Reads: 3:56
